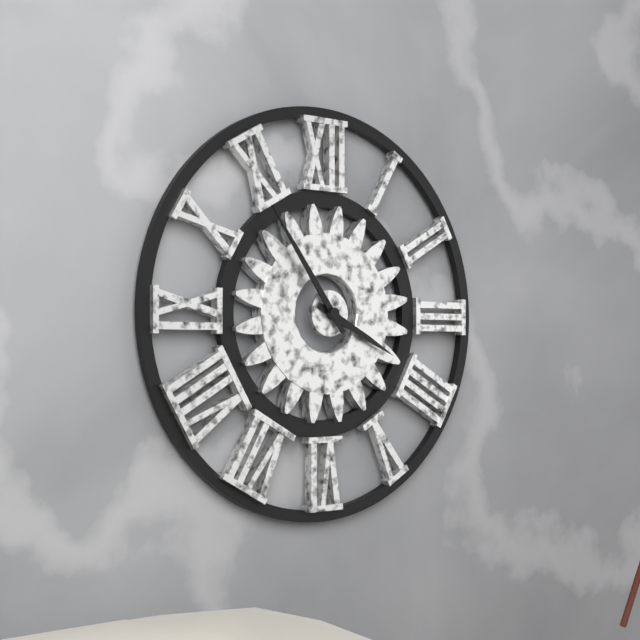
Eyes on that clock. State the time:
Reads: 3:54
